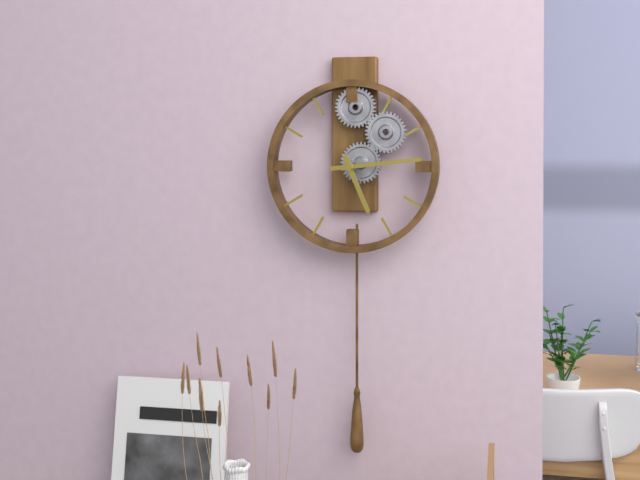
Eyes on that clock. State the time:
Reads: 5:14
